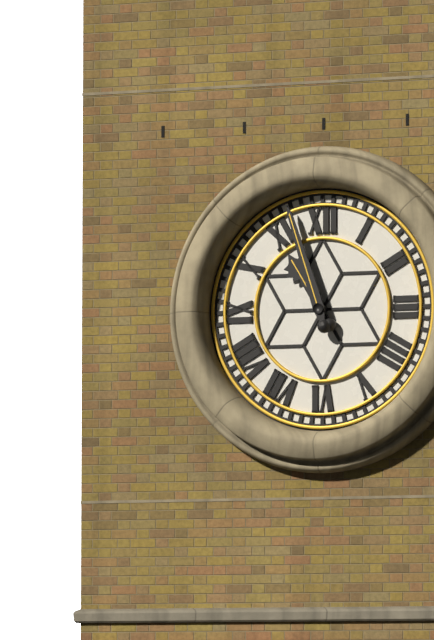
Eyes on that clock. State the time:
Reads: 10:57
